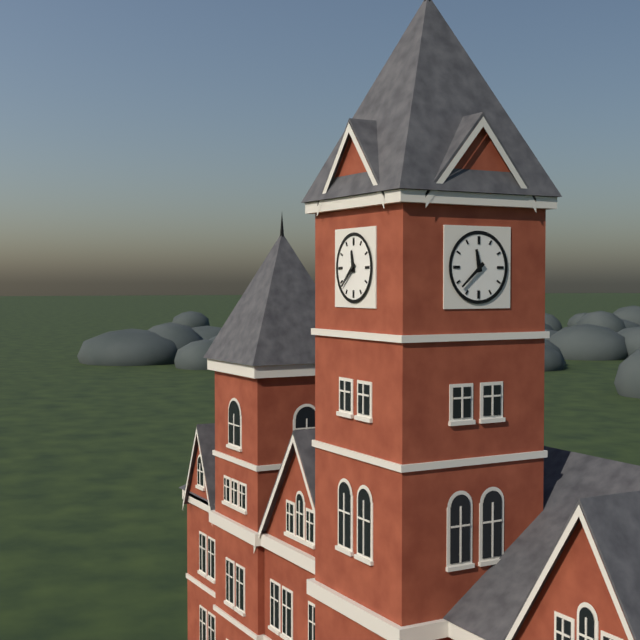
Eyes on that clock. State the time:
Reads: 11:38
